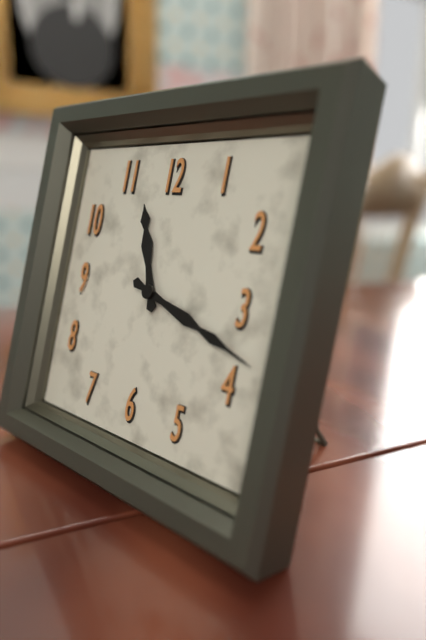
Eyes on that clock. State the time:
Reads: 11:18
